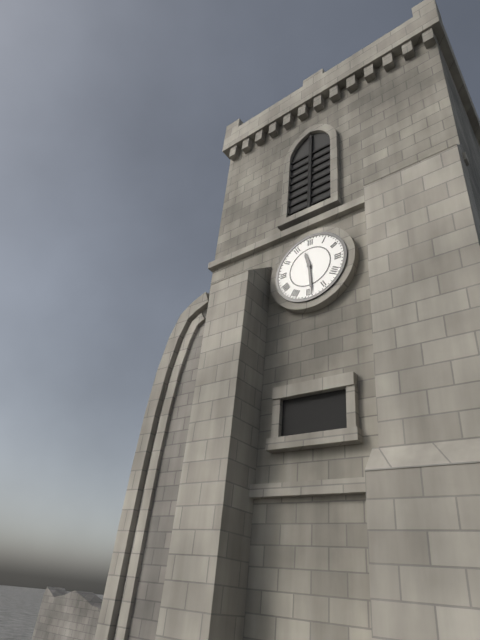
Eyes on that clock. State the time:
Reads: 11:29
